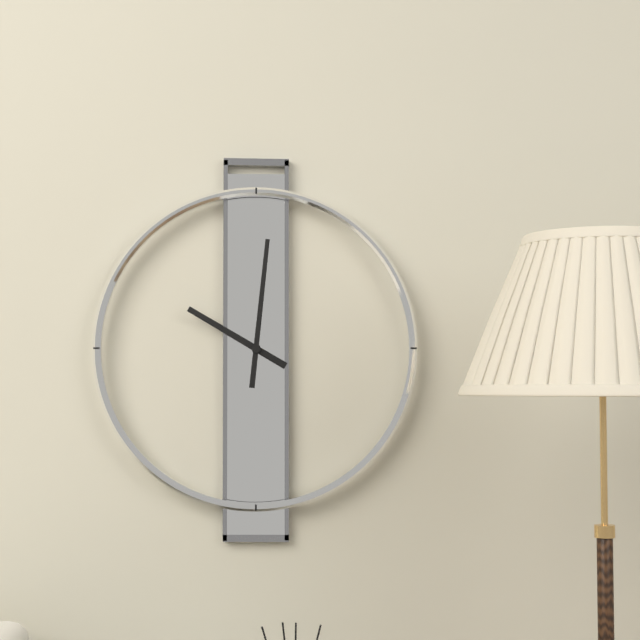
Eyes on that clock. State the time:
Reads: 10:01
